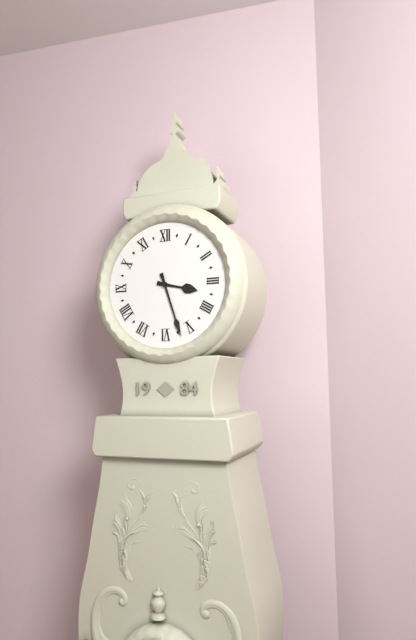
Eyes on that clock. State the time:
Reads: 3:27
